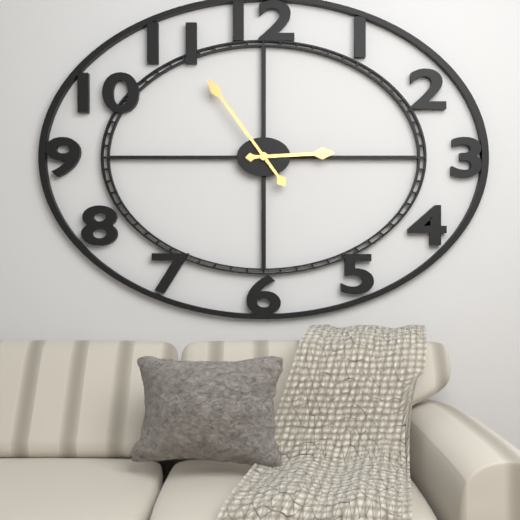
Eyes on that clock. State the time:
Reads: 2:54
